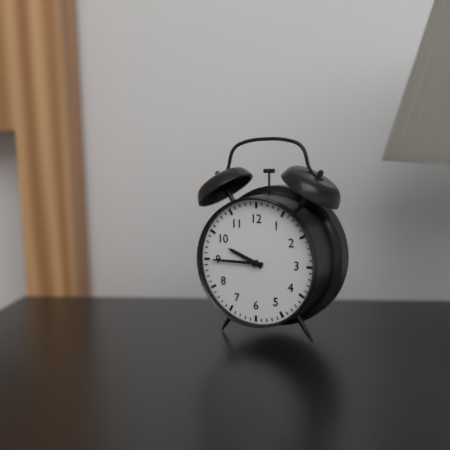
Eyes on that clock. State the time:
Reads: 9:45
